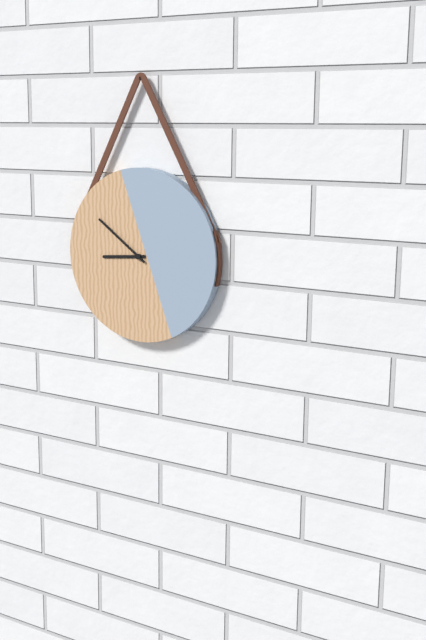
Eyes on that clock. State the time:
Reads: 8:51
